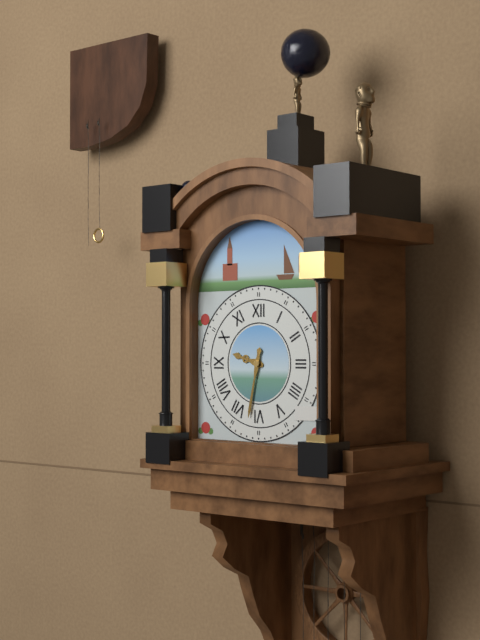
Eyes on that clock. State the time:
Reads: 9:32
